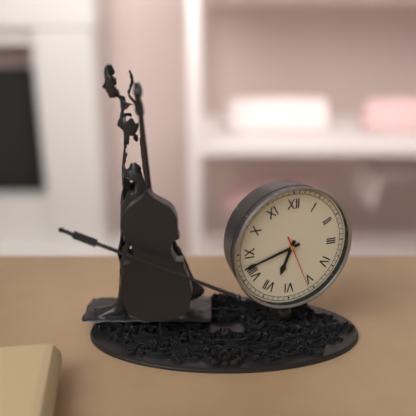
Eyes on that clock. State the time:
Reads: 6:42:26
